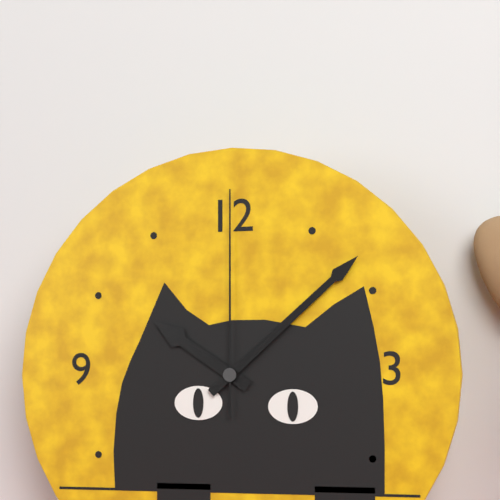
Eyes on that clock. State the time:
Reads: 10:08:00
